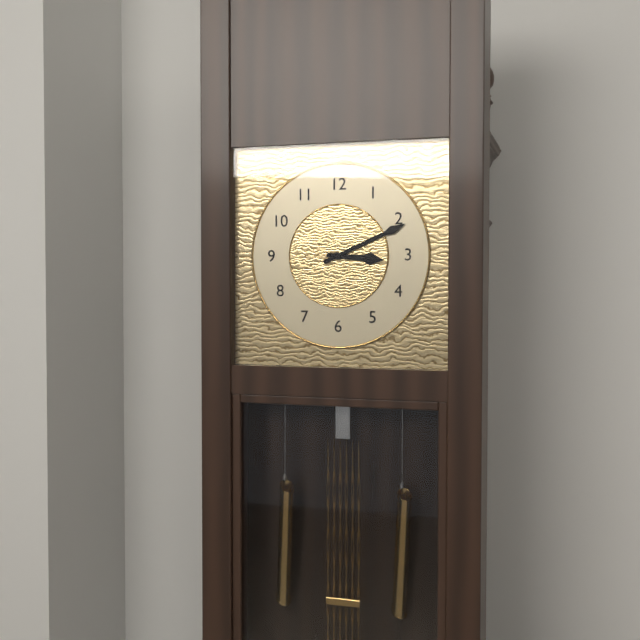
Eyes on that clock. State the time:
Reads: 3:11
